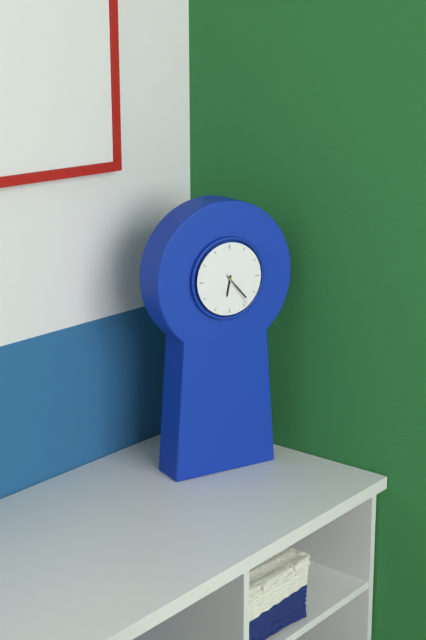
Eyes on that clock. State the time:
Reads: 6:23
